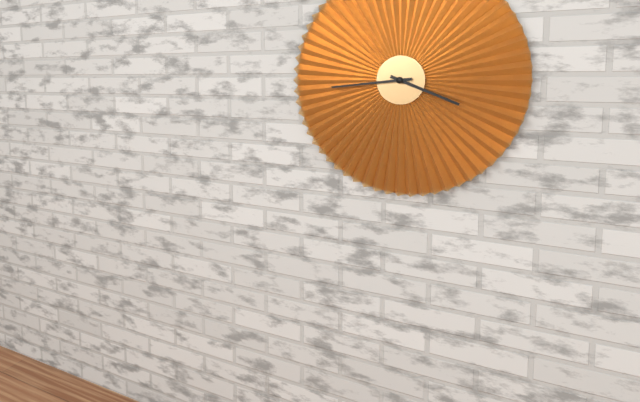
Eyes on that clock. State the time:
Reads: 3:44
